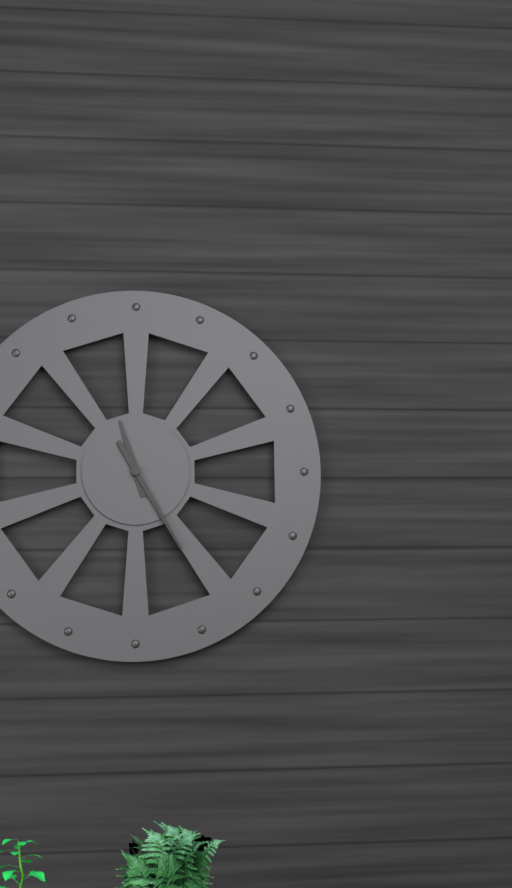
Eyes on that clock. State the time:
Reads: 11:25
